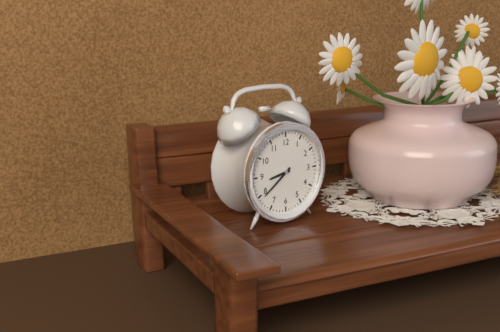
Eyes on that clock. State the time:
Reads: 8:39
